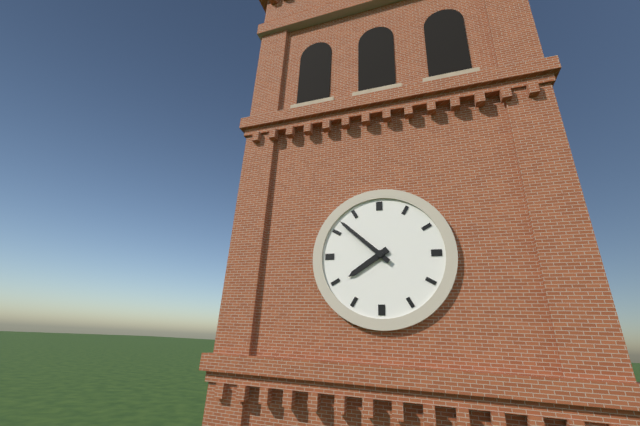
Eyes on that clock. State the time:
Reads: 7:52
